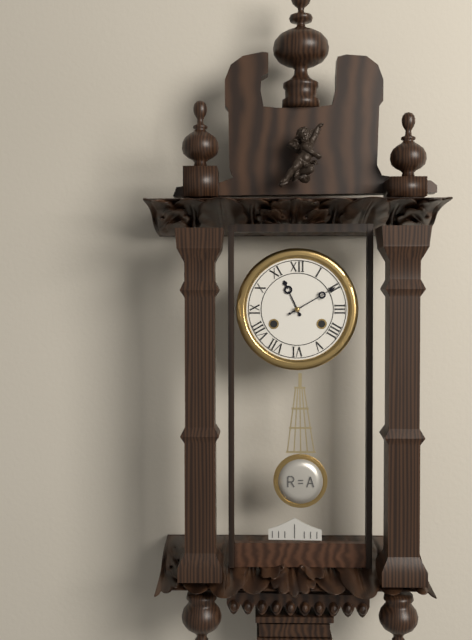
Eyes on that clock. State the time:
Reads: 11:10
